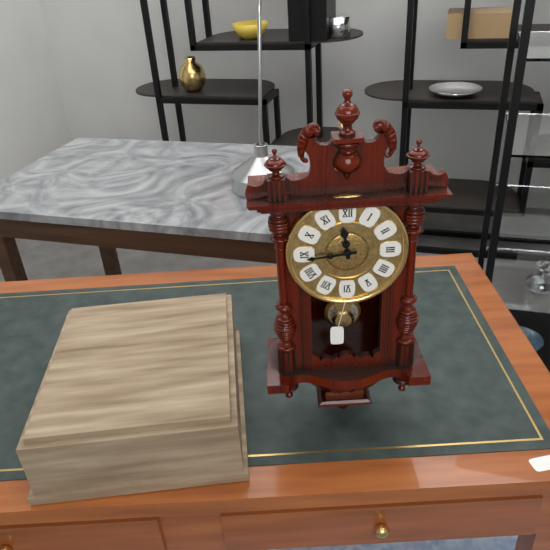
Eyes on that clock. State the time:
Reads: 11:44
